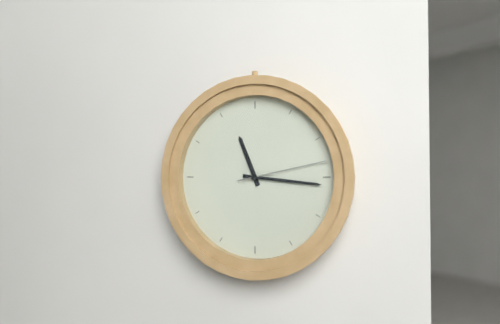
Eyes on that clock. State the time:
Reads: 11:16:13
